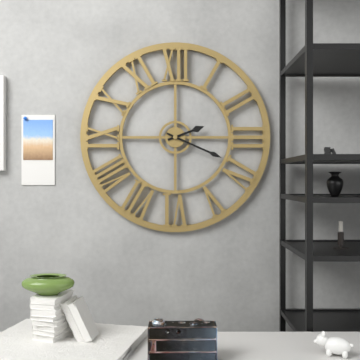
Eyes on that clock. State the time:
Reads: 2:19
